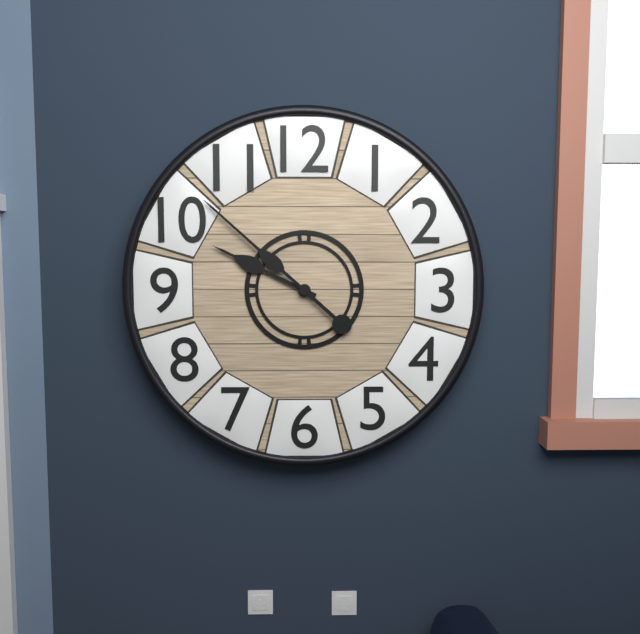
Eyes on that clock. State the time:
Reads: 9:52
